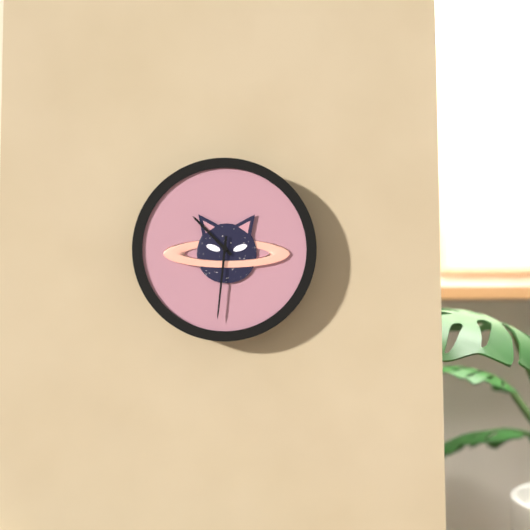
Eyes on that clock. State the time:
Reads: 10:31
